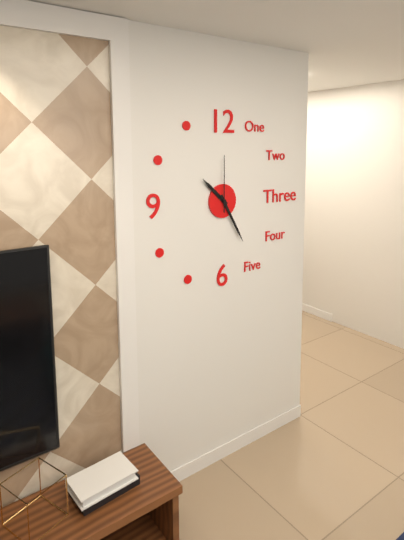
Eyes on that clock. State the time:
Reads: 10:25:00
